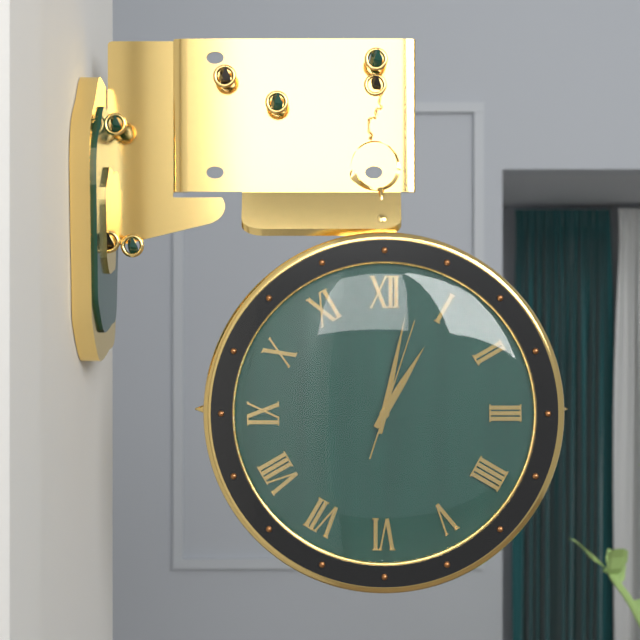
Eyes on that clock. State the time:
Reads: 1:02:03
